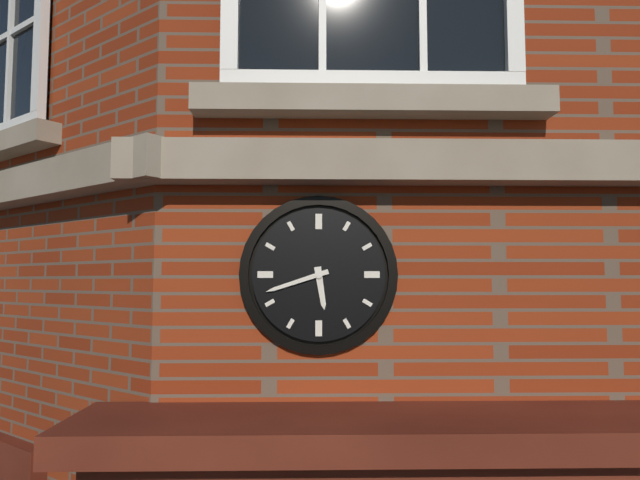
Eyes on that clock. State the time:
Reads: 5:42
